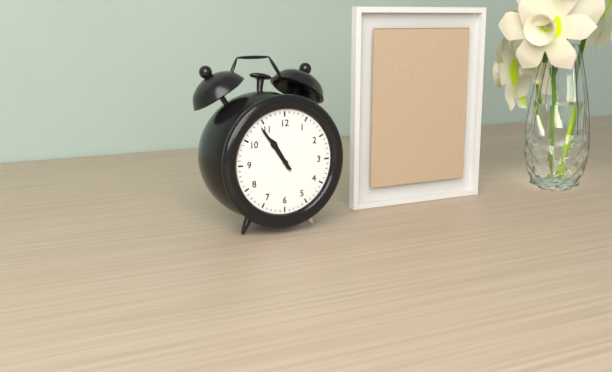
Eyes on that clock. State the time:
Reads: 10:54
